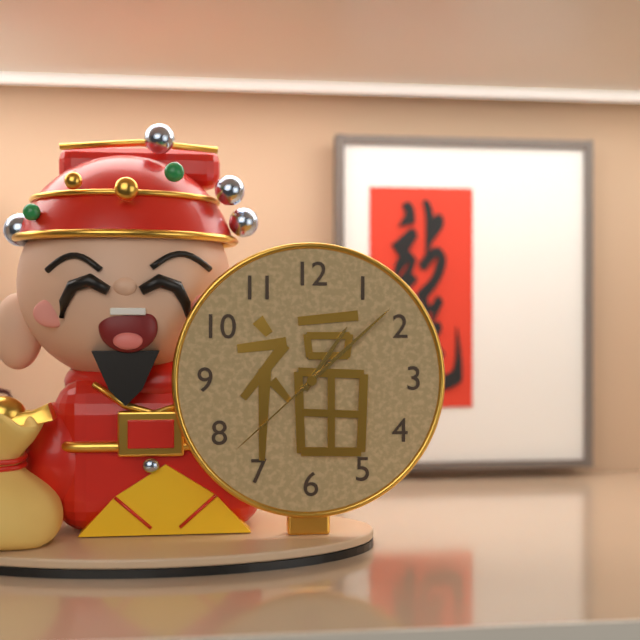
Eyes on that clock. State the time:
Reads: 1:08:38
